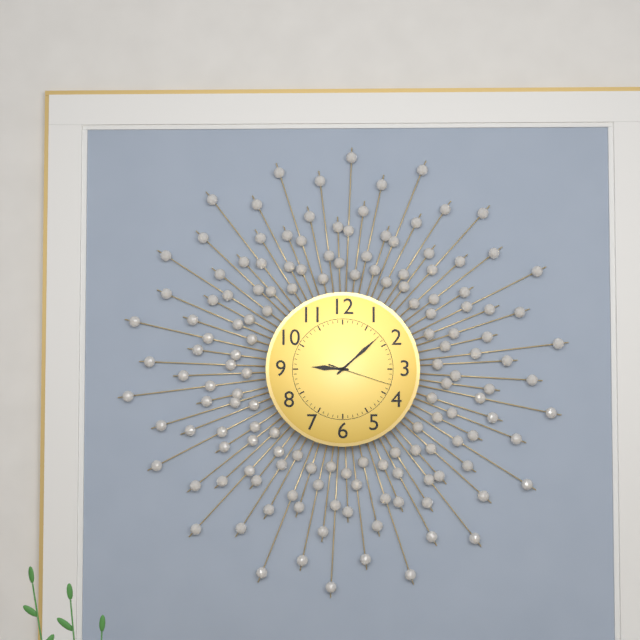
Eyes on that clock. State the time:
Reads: 9:08:18
